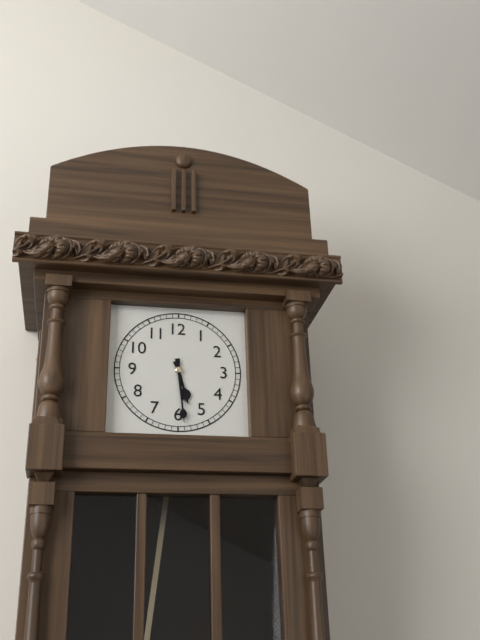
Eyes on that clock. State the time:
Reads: 5:29
